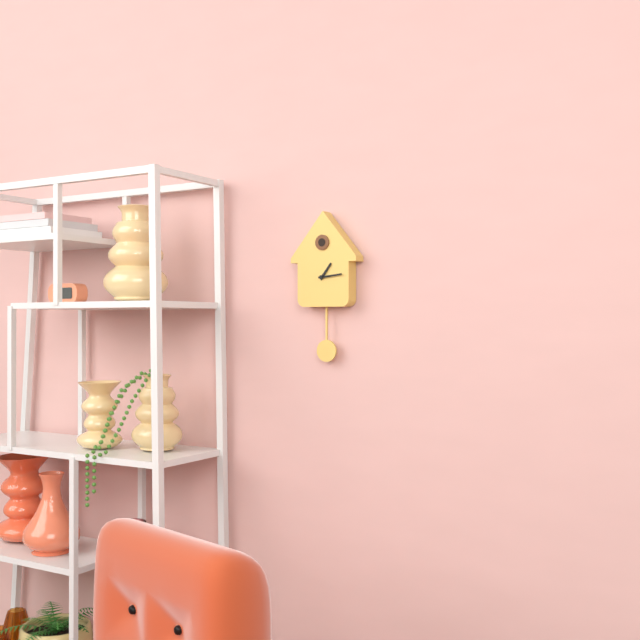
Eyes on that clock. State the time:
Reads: 1:14
